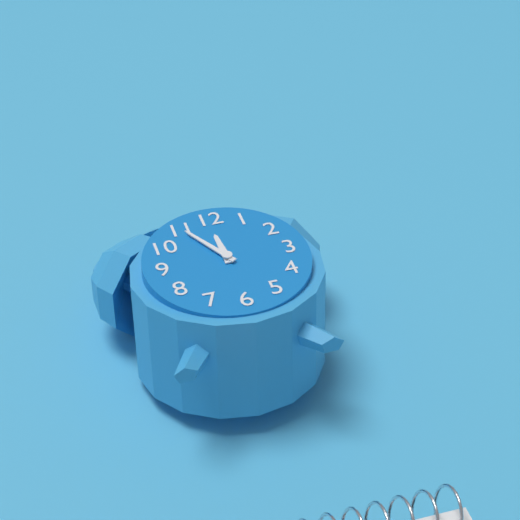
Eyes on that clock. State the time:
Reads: 11:55
